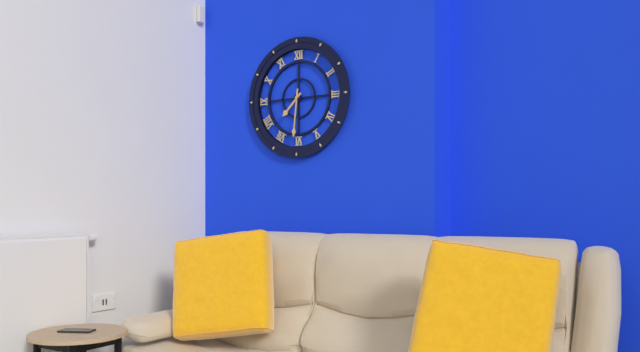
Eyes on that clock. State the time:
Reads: 7:31
